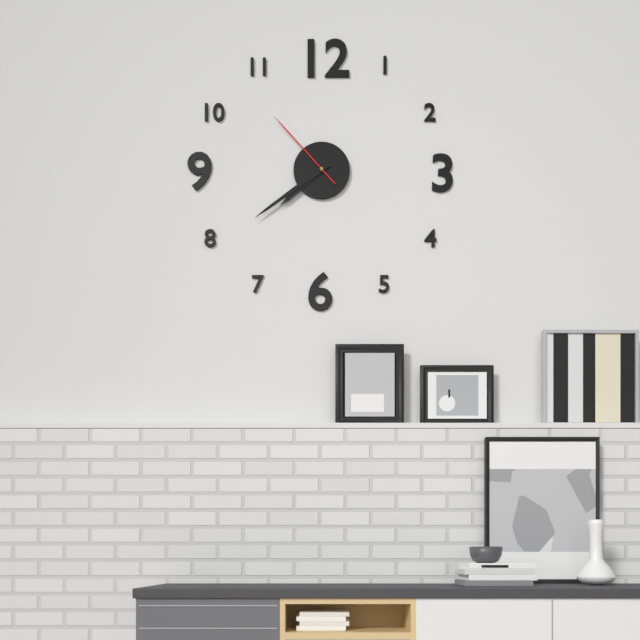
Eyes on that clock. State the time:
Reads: 7:39:53
